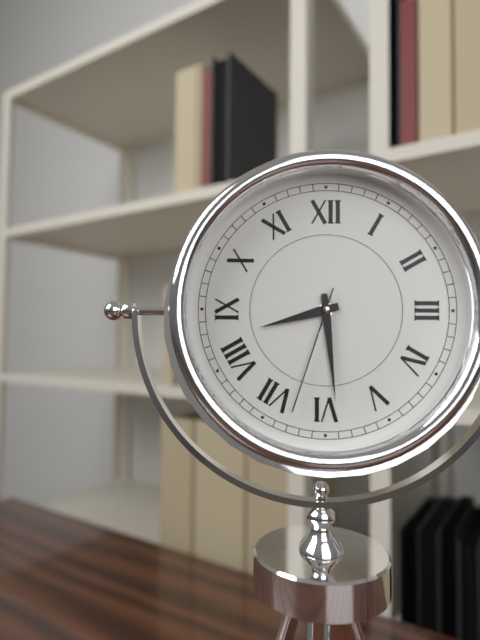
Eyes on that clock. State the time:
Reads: 8:29:33
